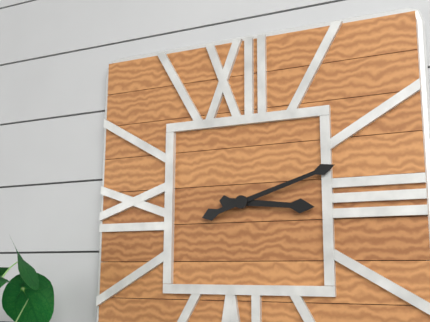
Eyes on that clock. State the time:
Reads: 3:12
